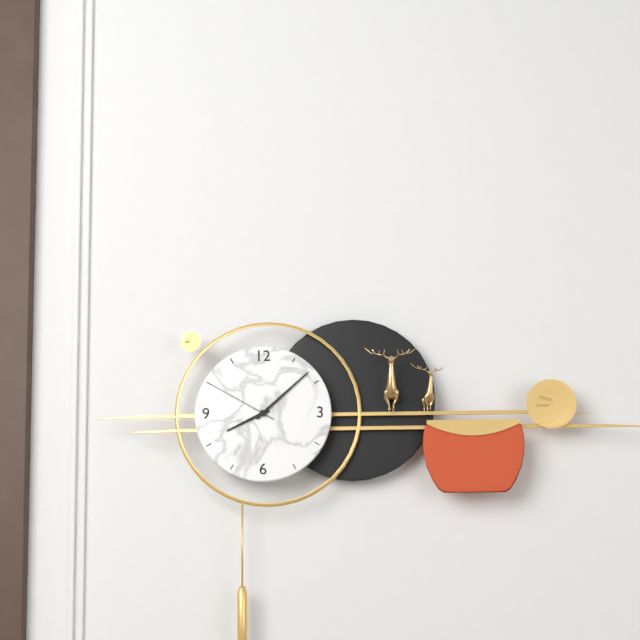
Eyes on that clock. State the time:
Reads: 8:08:50
